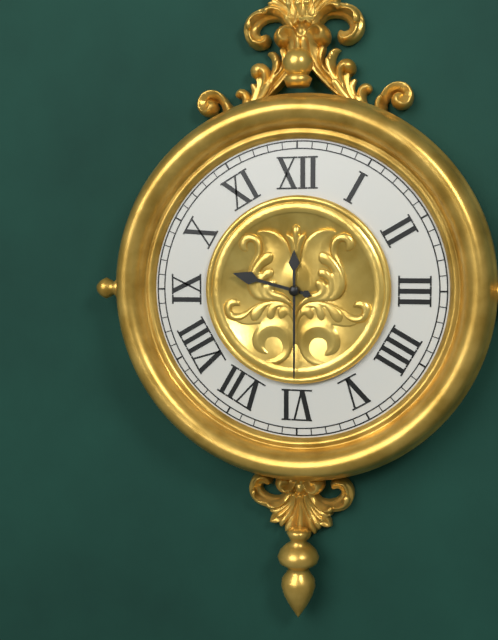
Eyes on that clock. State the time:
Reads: 9:30
